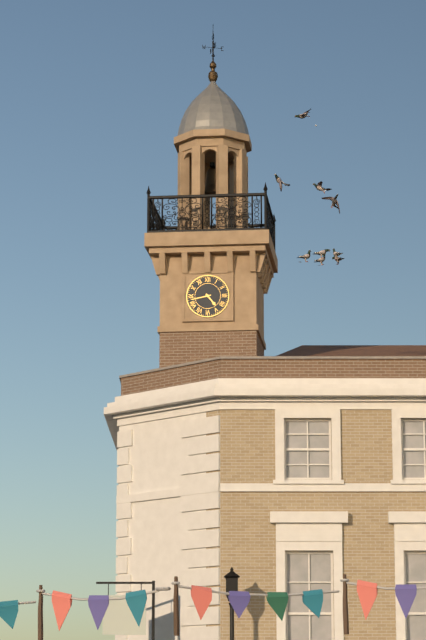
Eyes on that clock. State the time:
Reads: 4:43
